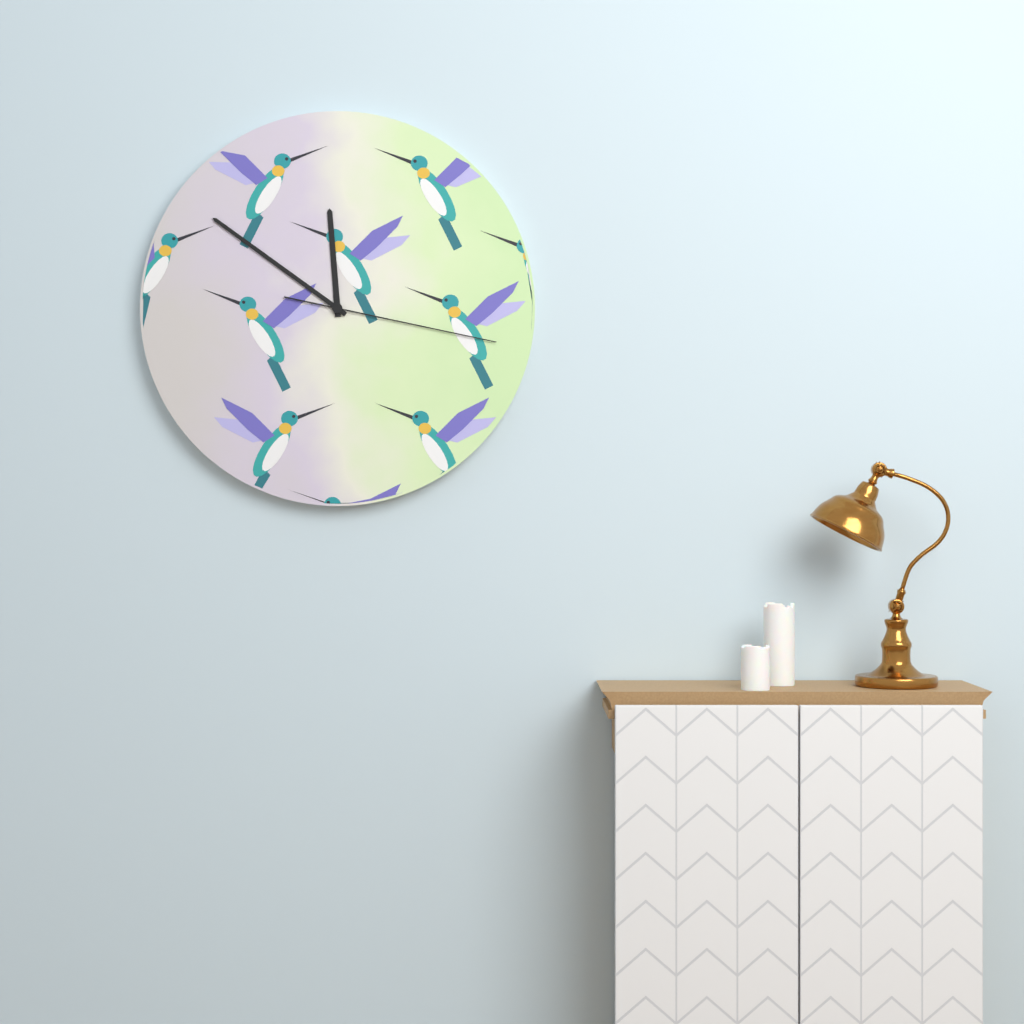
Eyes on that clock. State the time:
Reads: 11:51:17
